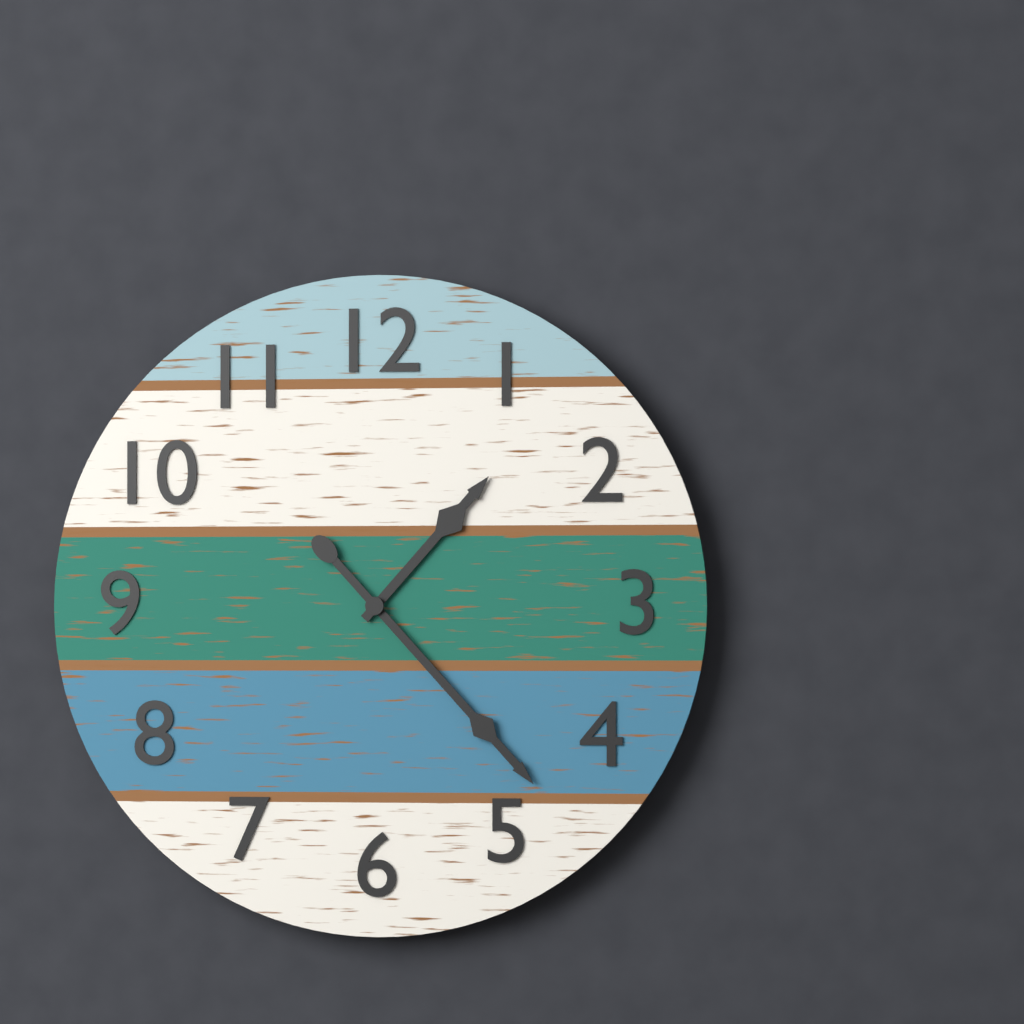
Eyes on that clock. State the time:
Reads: 1:23
